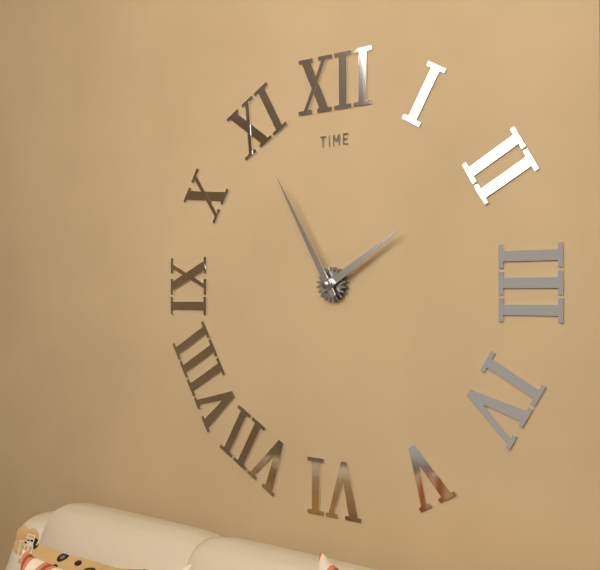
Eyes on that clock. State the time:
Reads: 1:55
